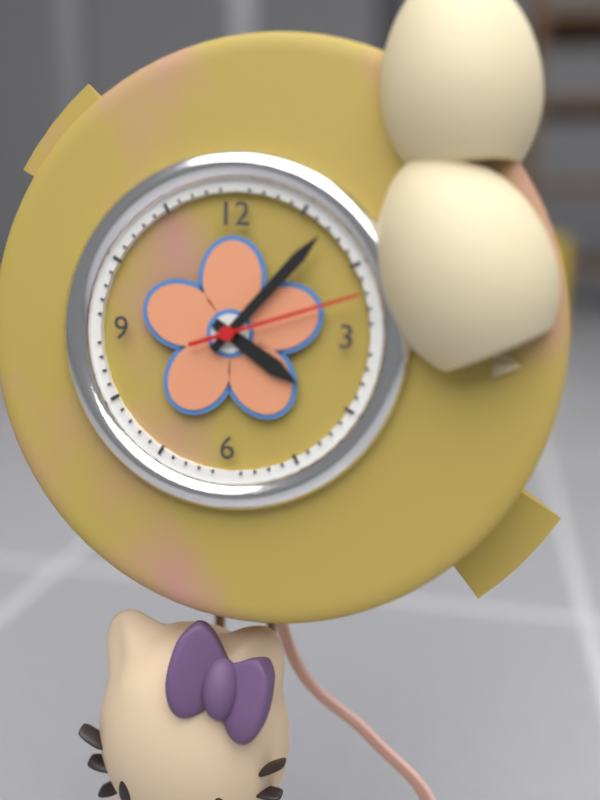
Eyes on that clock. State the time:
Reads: 4:07:12
